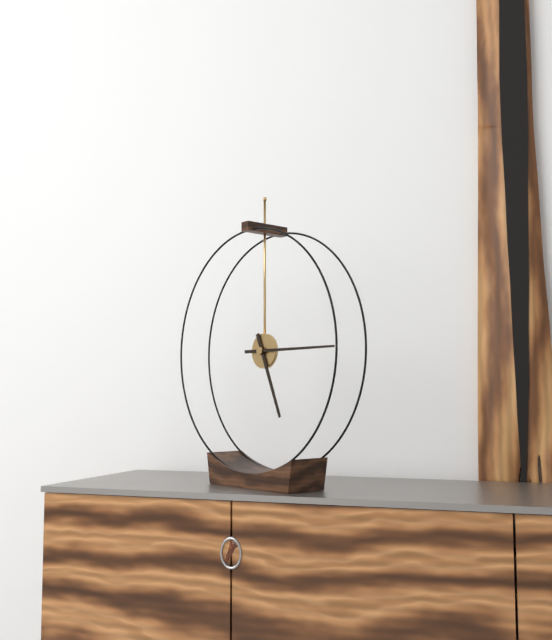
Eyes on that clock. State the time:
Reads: 5:15
